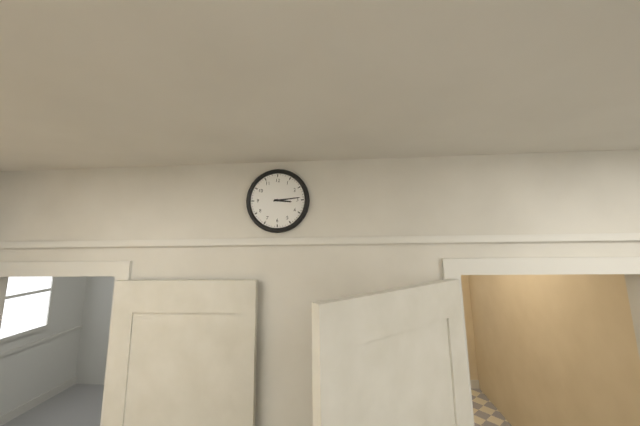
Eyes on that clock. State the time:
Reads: 3:14
